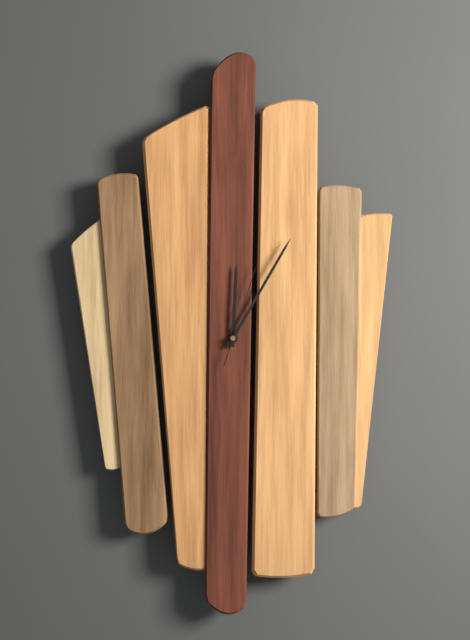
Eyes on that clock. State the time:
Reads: 12:05:03
